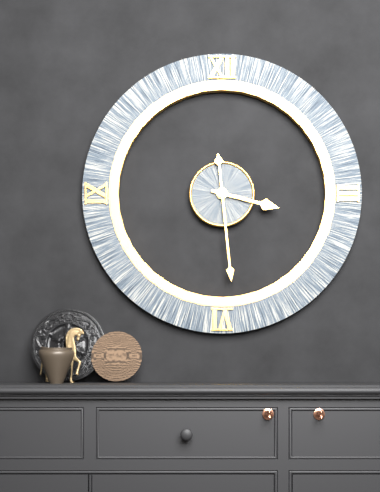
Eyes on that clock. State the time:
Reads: 3:29
